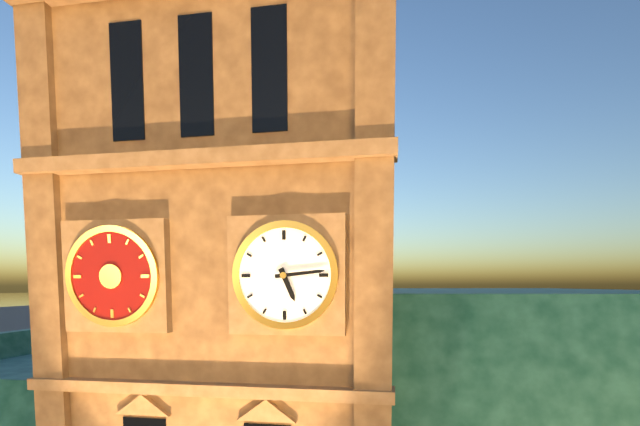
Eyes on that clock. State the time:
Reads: 5:14
